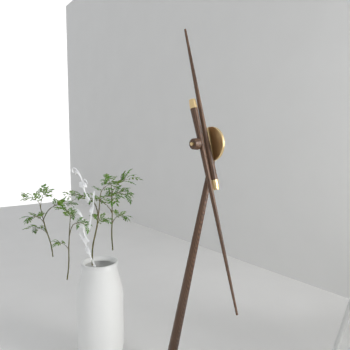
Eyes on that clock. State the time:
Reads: 11:27
